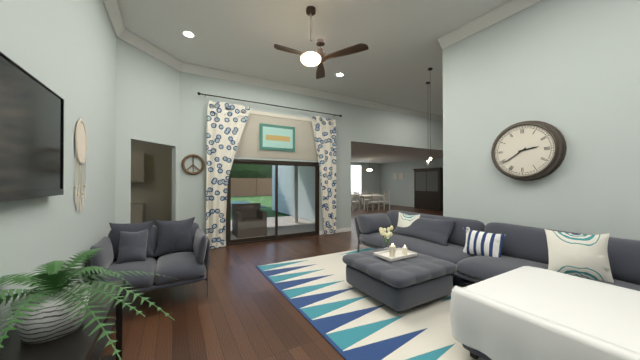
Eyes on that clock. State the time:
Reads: 2:39
